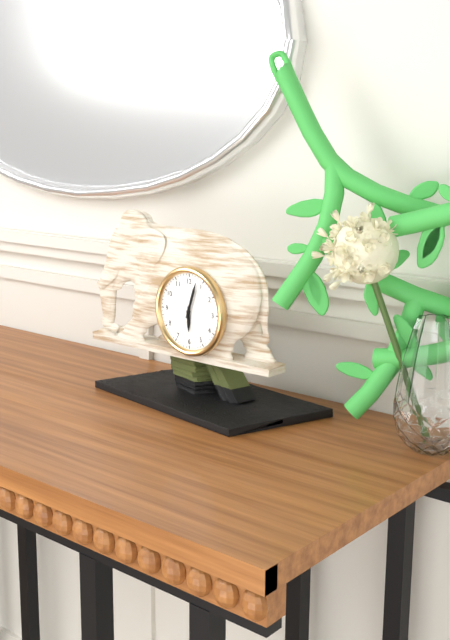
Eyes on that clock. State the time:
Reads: 6:03
